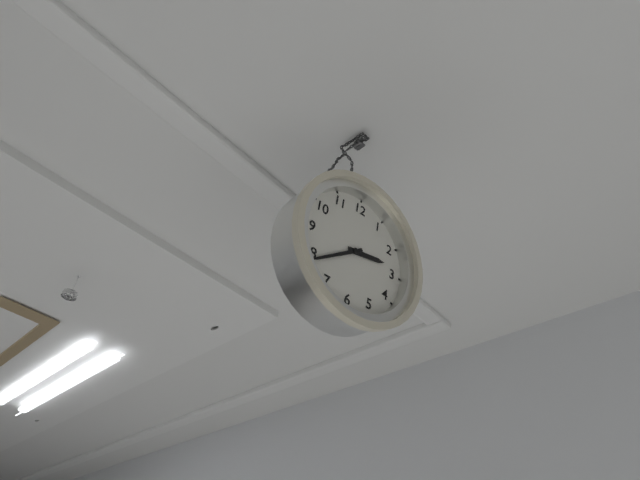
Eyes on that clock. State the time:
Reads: 2:39
